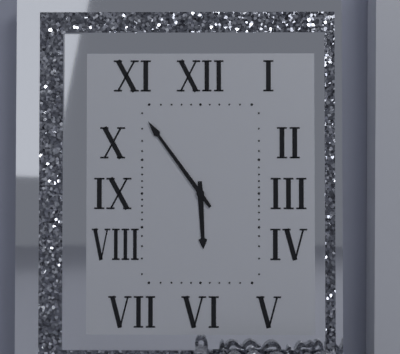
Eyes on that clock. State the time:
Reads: 5:54
